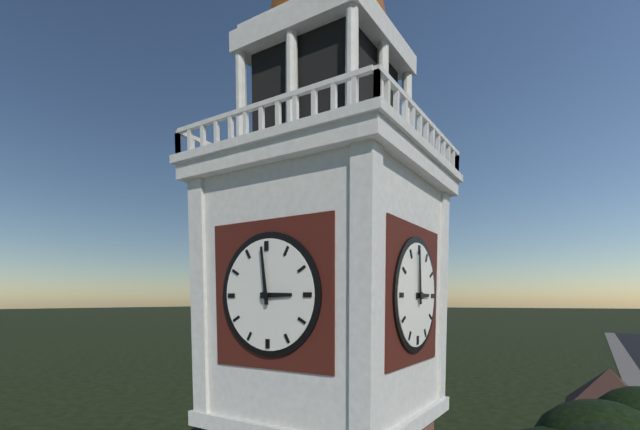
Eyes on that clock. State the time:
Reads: 2:59
